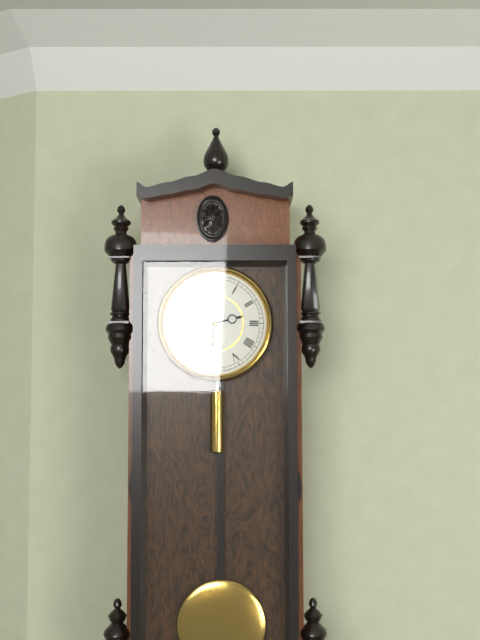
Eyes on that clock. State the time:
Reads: 2:32
